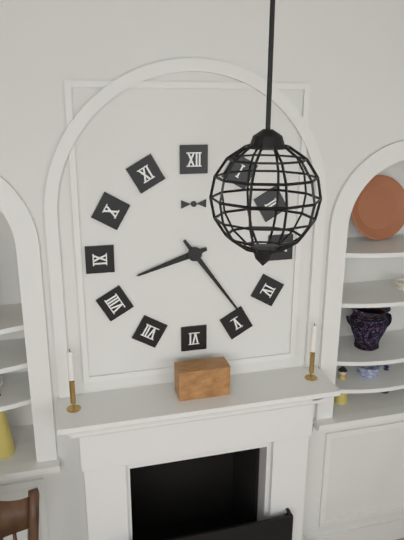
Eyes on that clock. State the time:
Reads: 8:24
